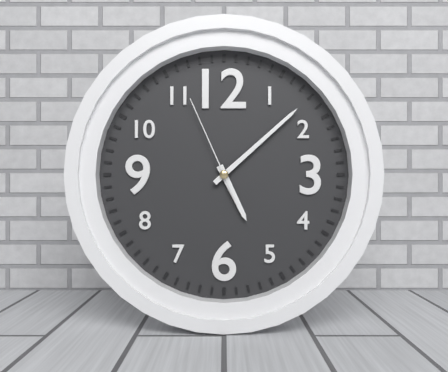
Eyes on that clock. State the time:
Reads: 5:08:56
